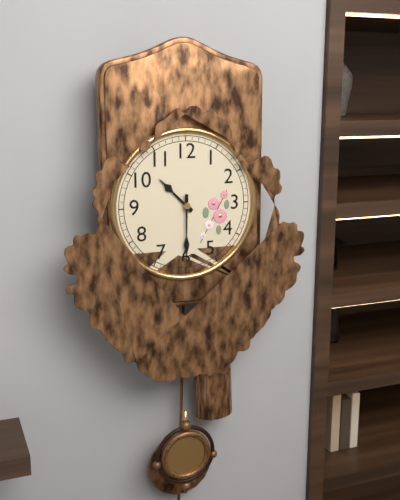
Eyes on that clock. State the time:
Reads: 10:30
